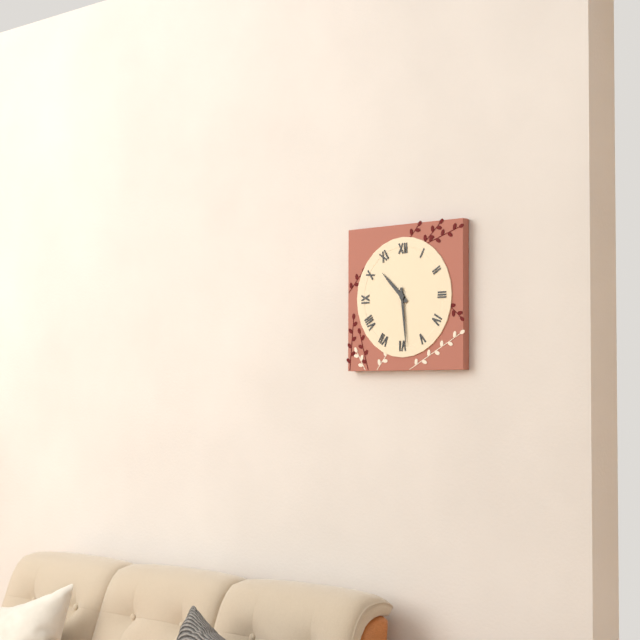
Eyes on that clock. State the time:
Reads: 10:29
